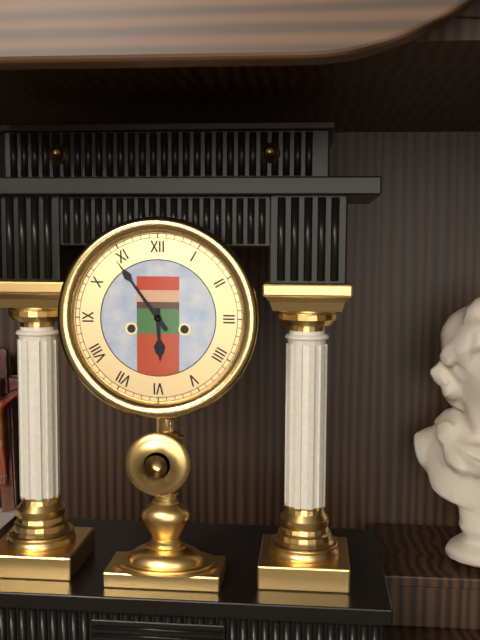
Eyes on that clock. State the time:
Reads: 5:54
